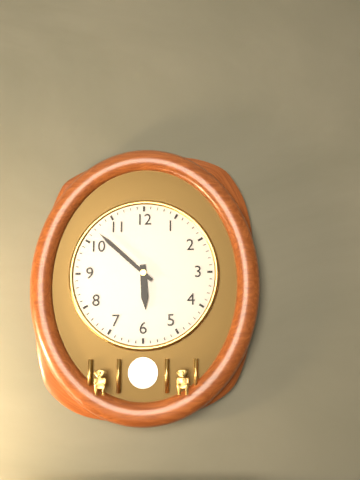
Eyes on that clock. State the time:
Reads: 5:52
